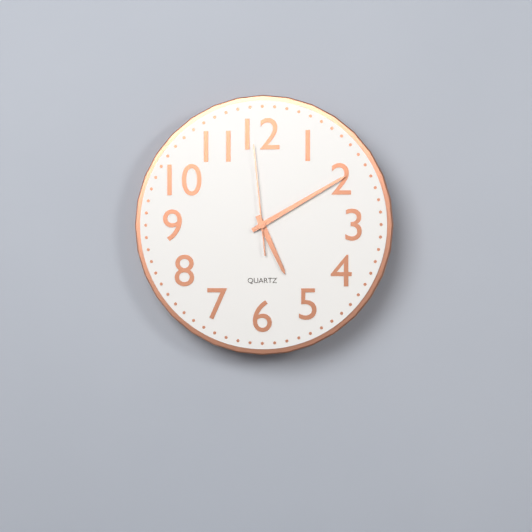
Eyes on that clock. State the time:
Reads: 5:10:59
